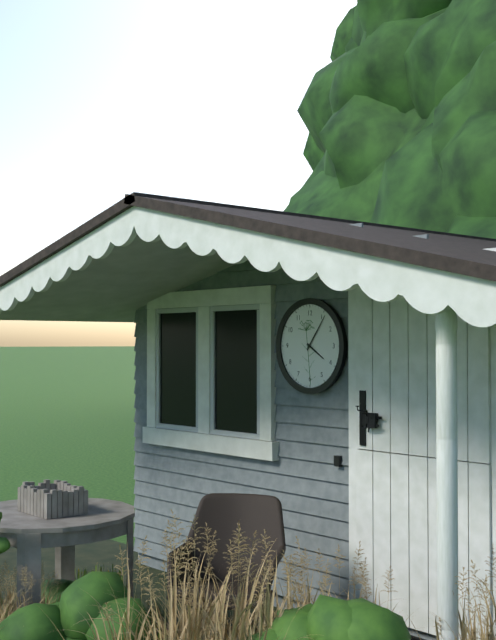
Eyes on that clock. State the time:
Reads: 4:06
